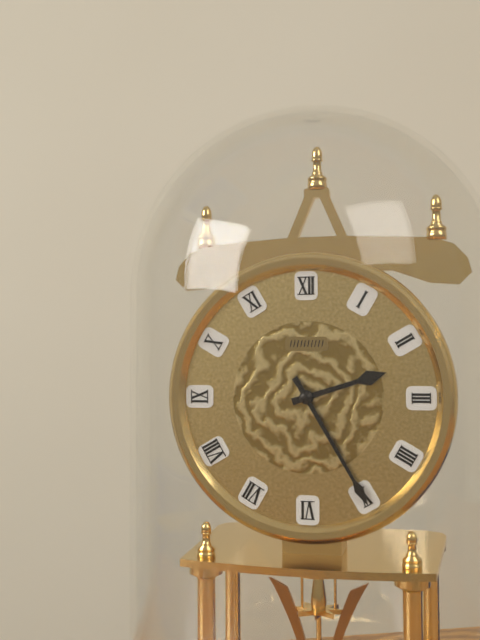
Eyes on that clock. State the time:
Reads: 2:25
